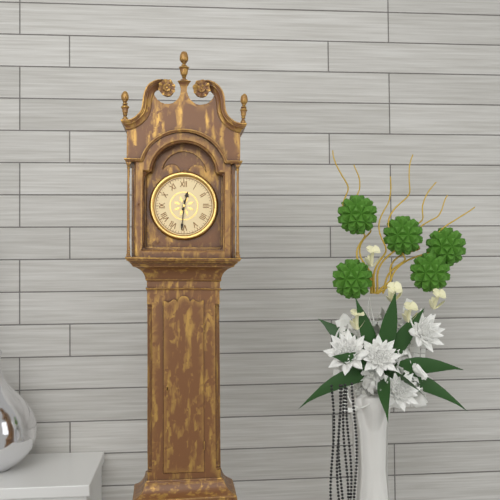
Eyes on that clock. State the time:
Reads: 12:31
